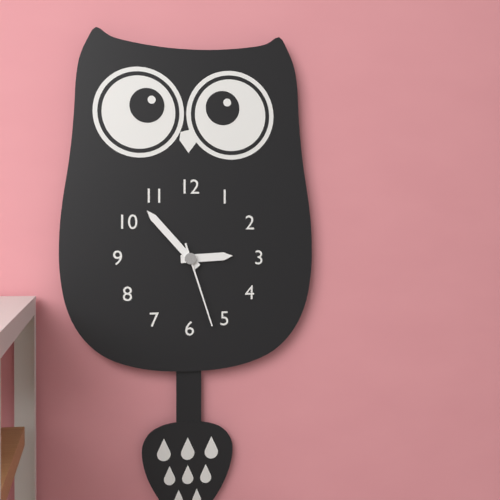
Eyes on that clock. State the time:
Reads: 2:53:27
